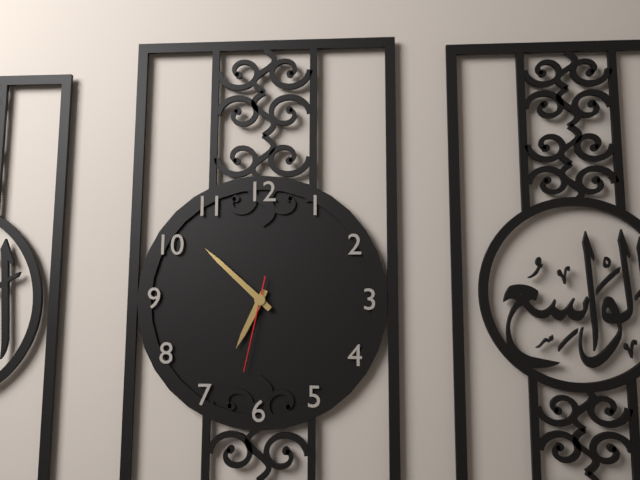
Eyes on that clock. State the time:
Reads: 6:52:32
